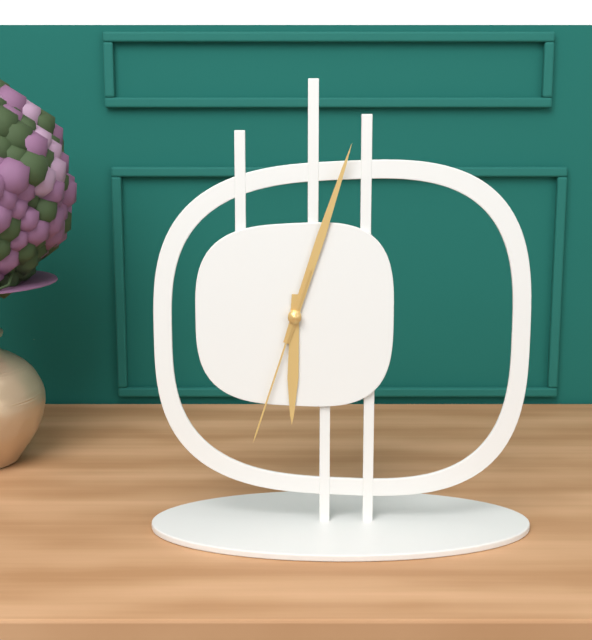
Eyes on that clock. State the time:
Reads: 6:03:33
